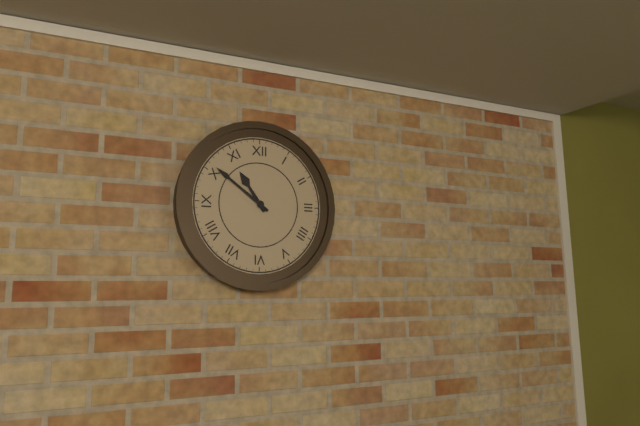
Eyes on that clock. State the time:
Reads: 10:51
